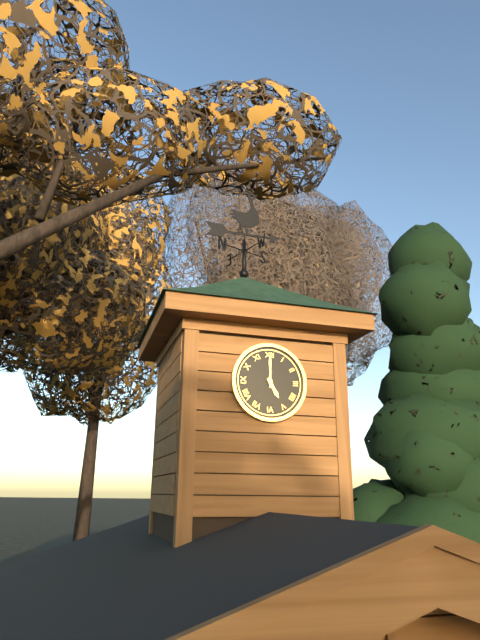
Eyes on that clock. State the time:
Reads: 5:00
